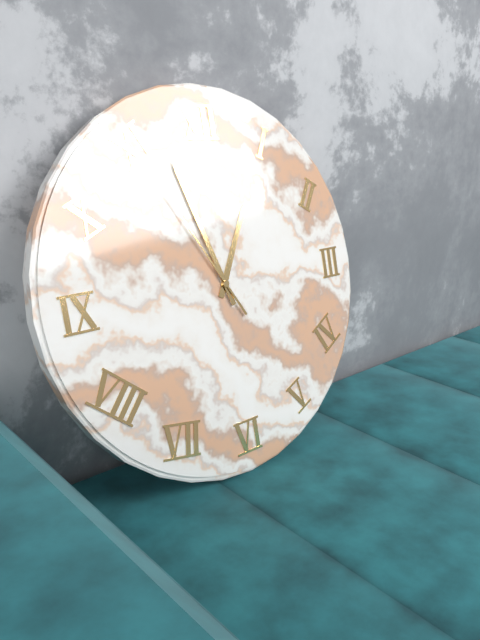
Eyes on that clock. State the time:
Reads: 12:57:55
